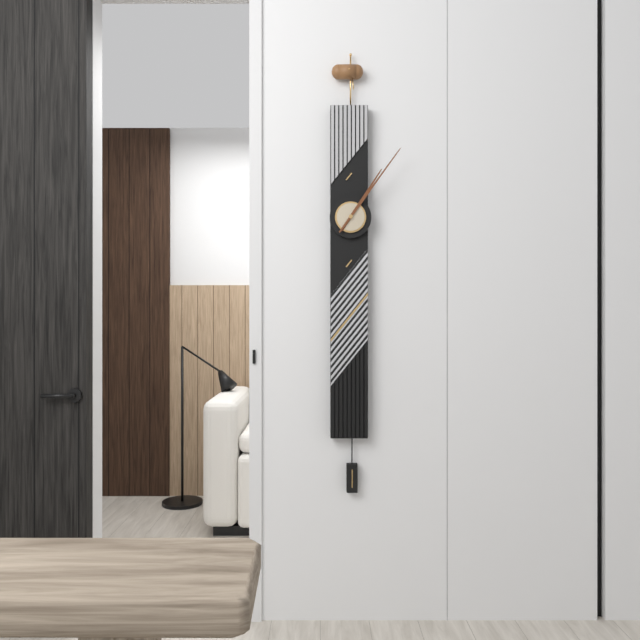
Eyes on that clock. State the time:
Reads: 1:06
